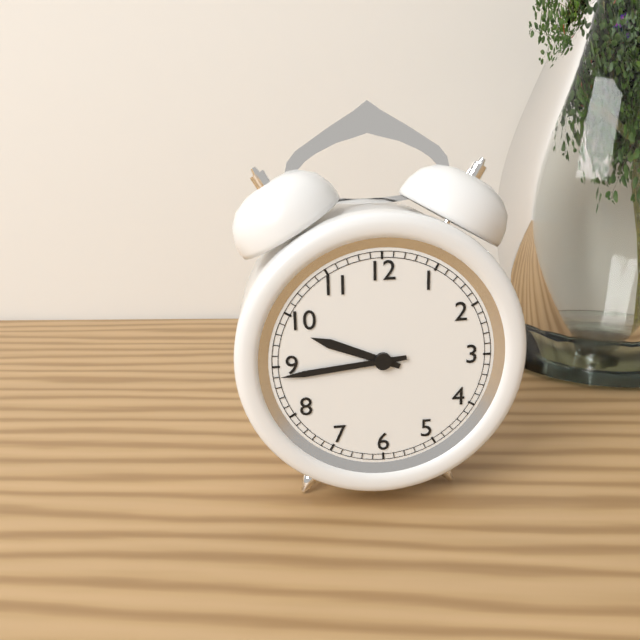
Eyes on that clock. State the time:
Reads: 9:44
